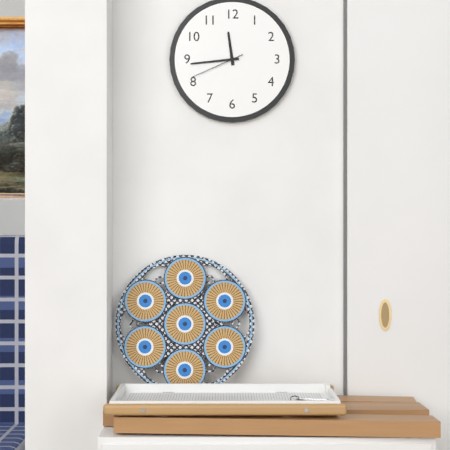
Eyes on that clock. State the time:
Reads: 11:44:41
